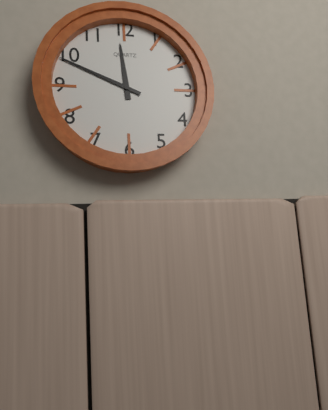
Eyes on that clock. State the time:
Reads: 11:49
